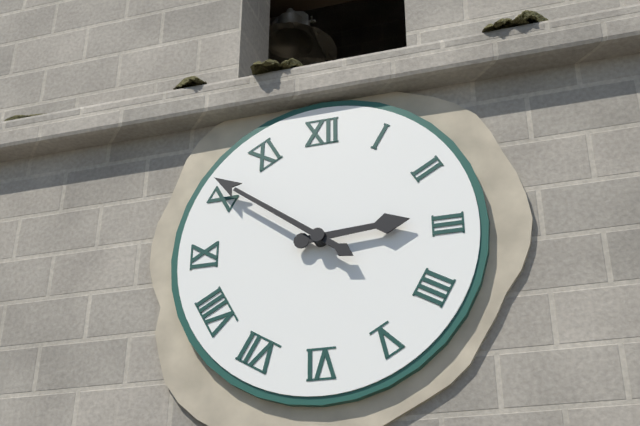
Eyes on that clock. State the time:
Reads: 2:51
